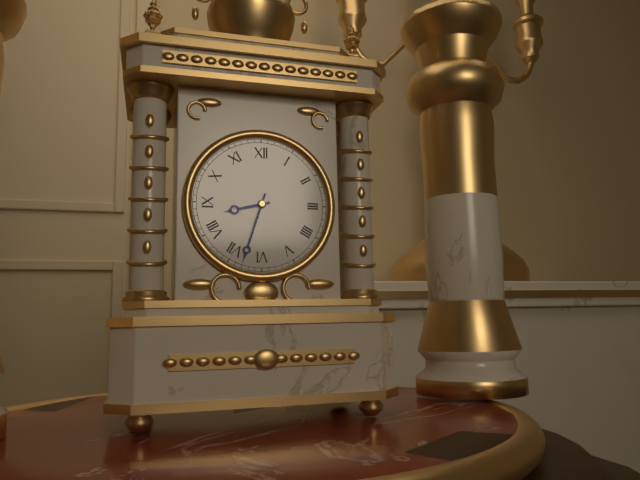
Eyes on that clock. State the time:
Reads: 8:33
